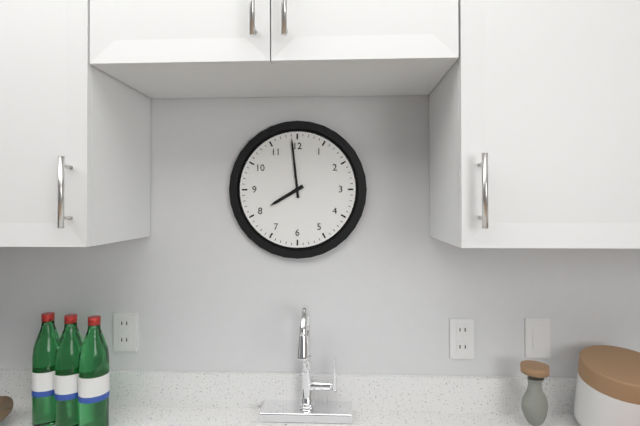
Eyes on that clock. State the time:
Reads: 7:59
